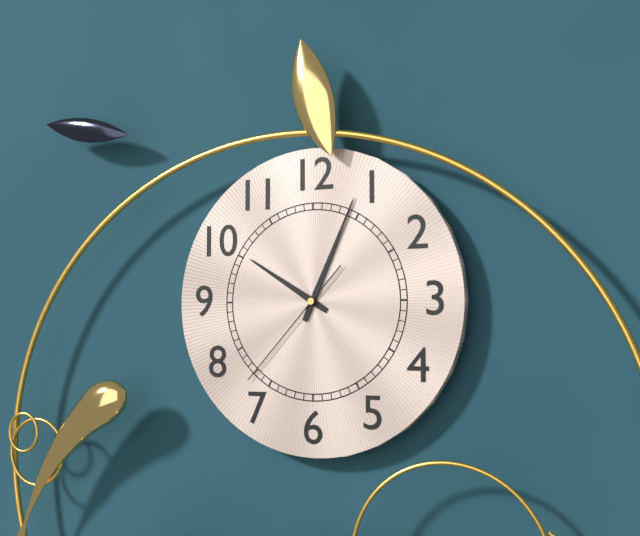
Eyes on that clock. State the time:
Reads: 10:04:37
